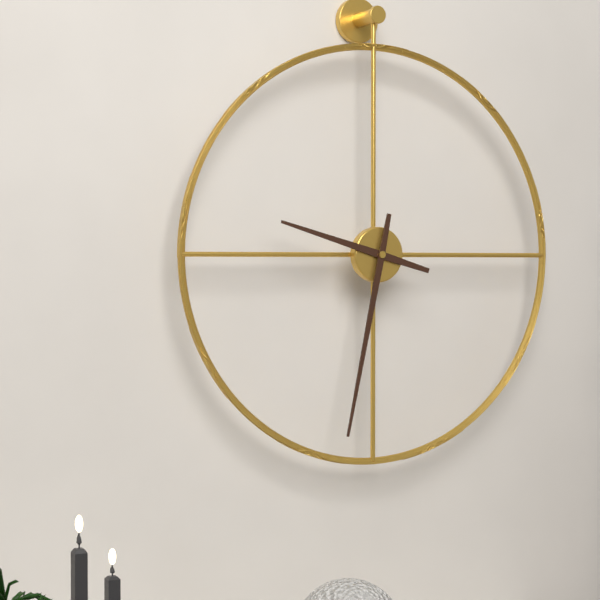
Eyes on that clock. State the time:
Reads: 9:32
